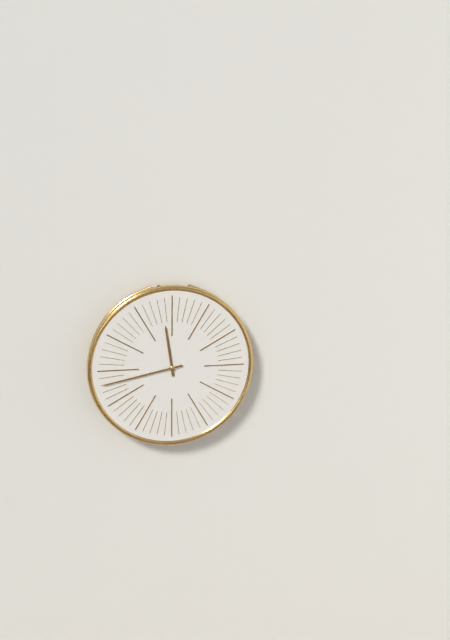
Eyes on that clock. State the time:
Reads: 11:43
